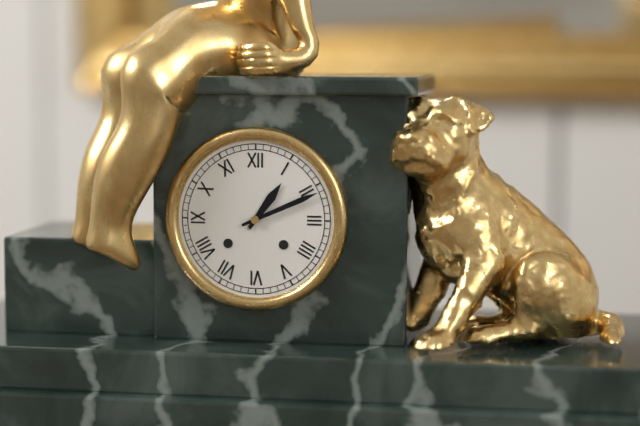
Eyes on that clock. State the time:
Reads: 1:11
